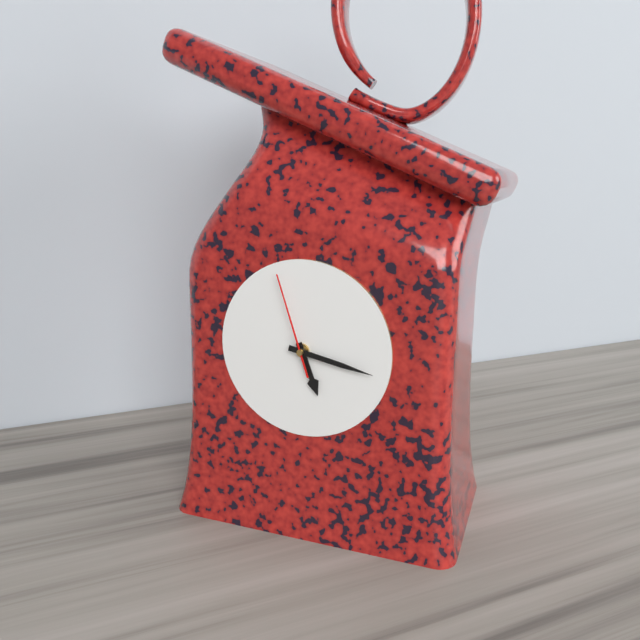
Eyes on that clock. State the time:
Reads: 5:17:57
